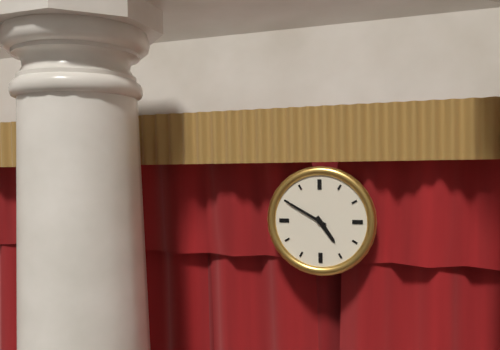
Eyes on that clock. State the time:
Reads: 4:50
